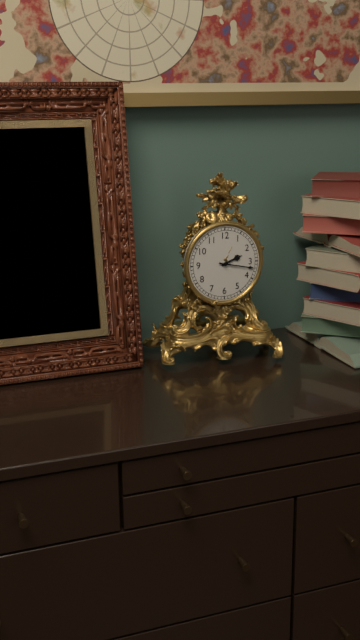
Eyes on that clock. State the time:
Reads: 2:17
